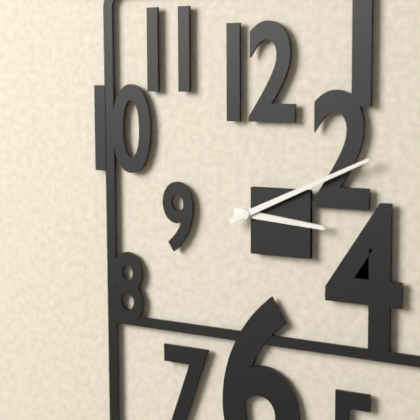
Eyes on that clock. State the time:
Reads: 3:11
